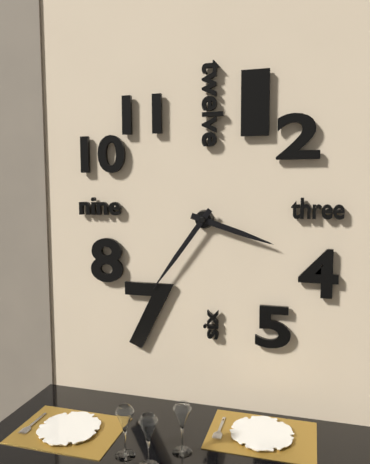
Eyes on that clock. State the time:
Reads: 3:36
